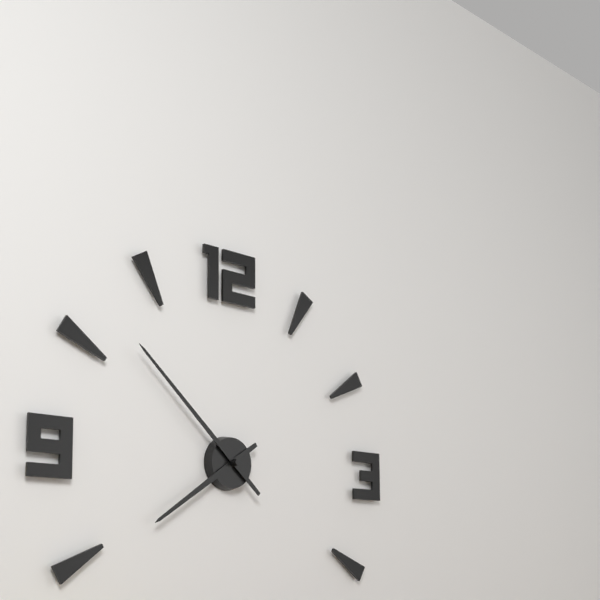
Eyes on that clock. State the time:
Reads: 7:52
